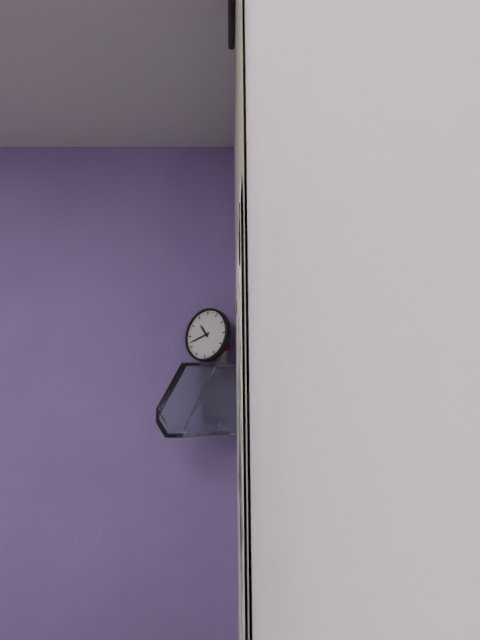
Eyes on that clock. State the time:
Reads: 10:42
